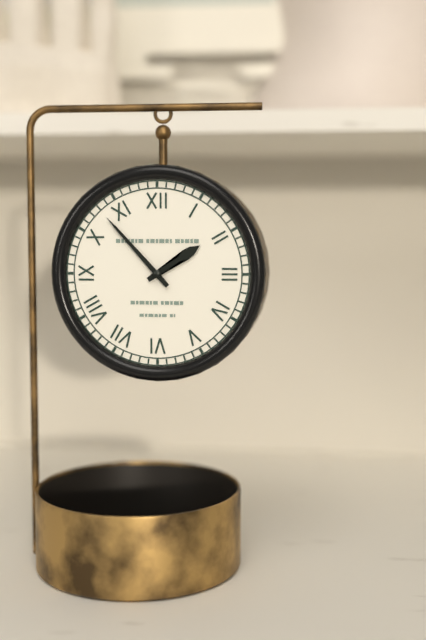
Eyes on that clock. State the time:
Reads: 1:53
